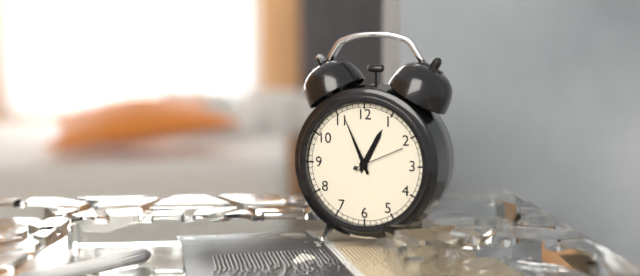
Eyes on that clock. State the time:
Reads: 12:56:11
